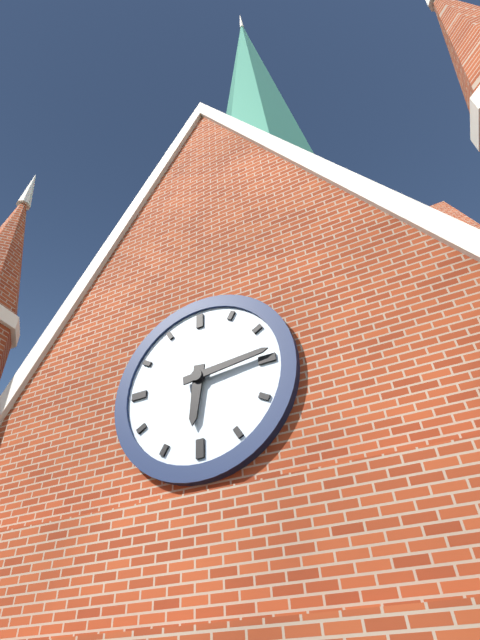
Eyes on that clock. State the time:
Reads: 6:14
